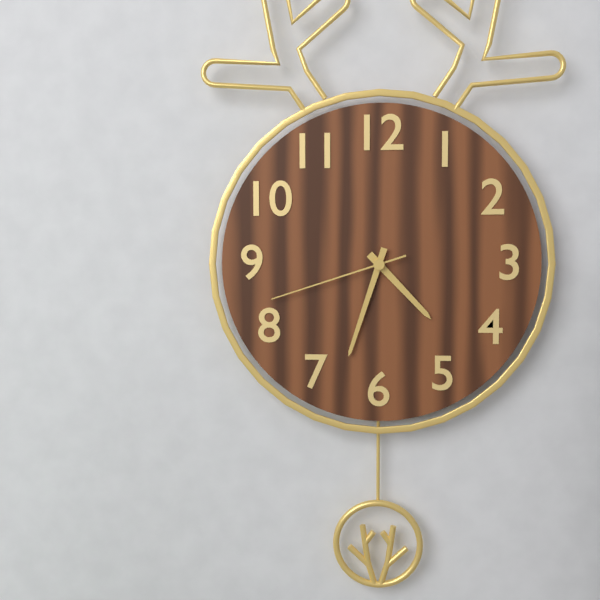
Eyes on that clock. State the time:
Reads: 4:33:42
